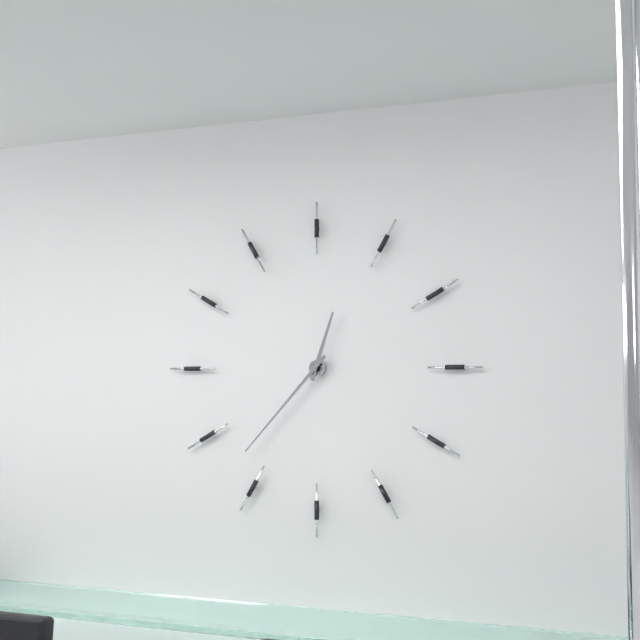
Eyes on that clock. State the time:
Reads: 12:37
